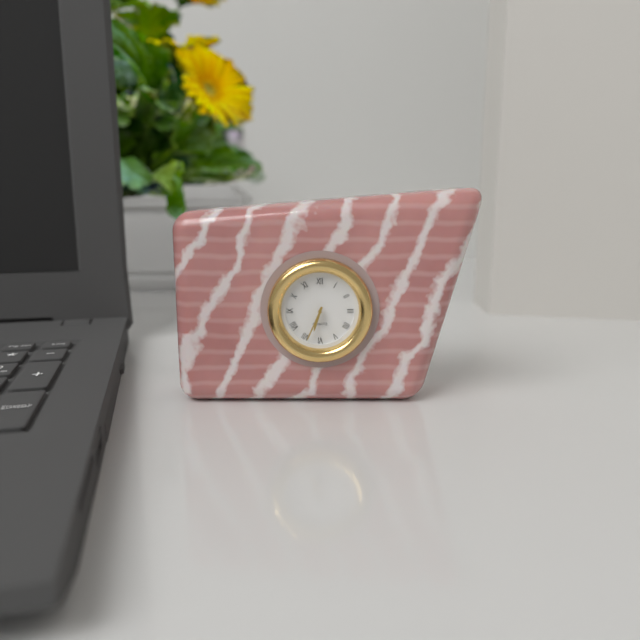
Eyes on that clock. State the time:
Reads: 6:34
